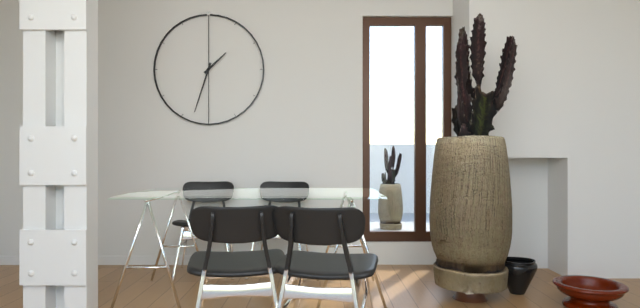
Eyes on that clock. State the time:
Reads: 1:33
